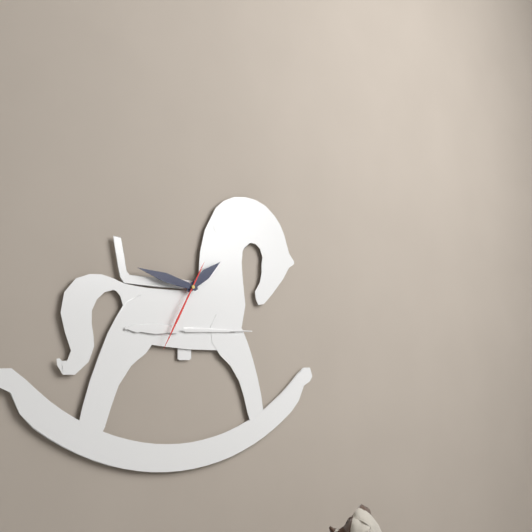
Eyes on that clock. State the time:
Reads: 1:47:35
